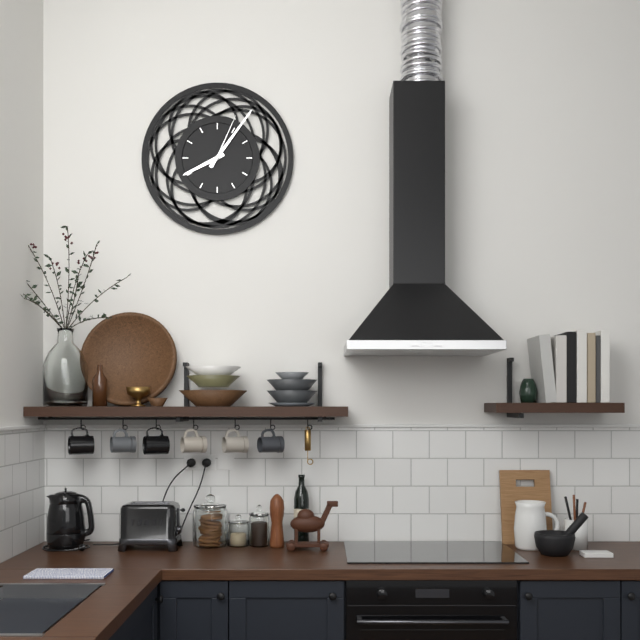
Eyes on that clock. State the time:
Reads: 8:06:04
